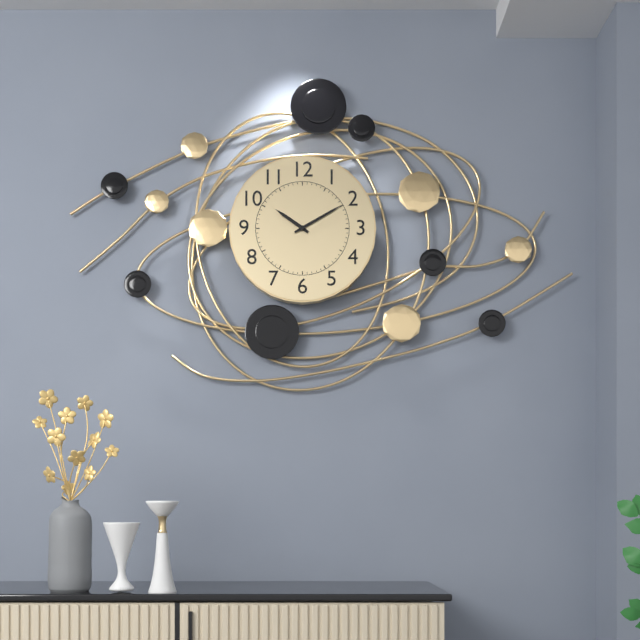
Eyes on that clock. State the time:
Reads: 10:10
